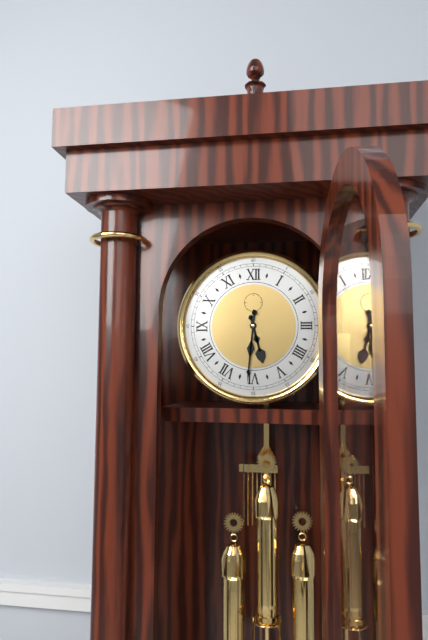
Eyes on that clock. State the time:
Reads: 5:31
